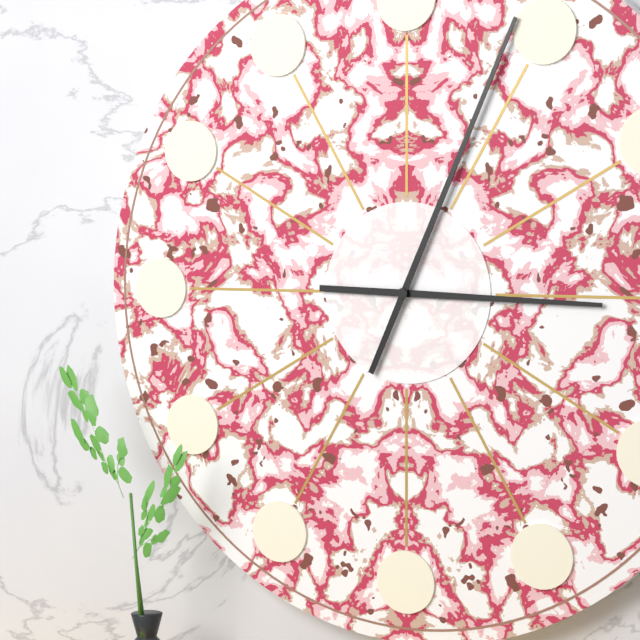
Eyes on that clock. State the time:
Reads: 3:04
